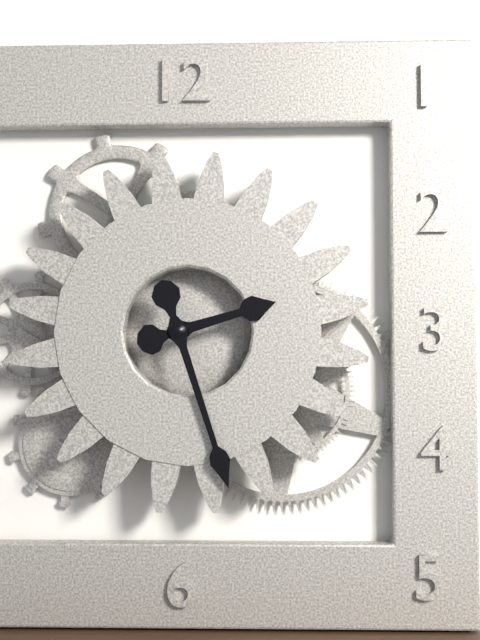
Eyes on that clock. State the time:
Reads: 2:27
